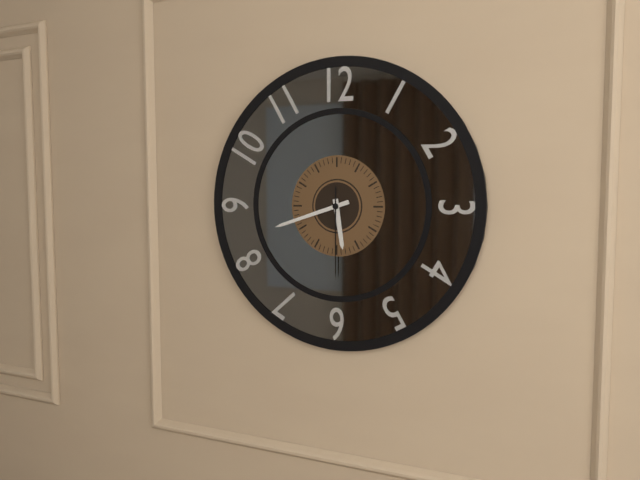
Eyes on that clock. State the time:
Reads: 5:42:30
